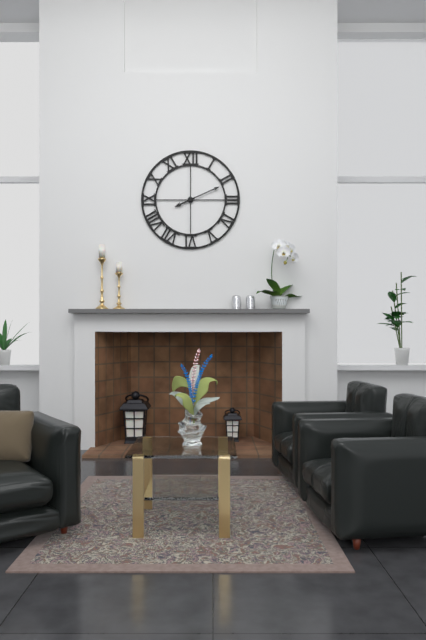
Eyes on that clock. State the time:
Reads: 8:11
